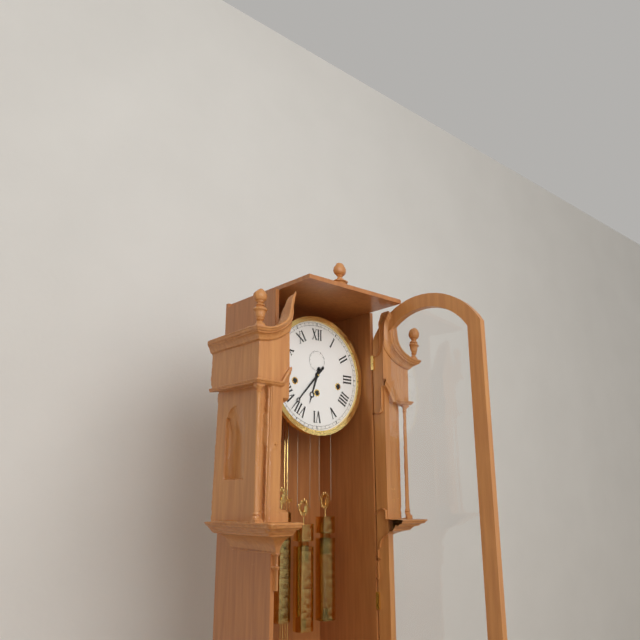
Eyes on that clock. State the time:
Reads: 6:37
